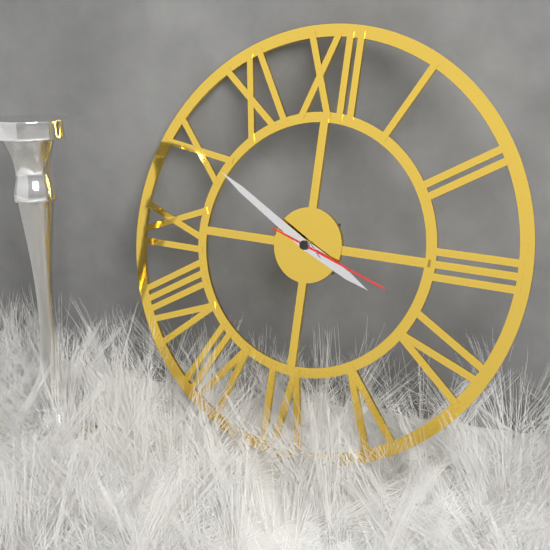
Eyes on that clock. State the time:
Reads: 3:50:18
